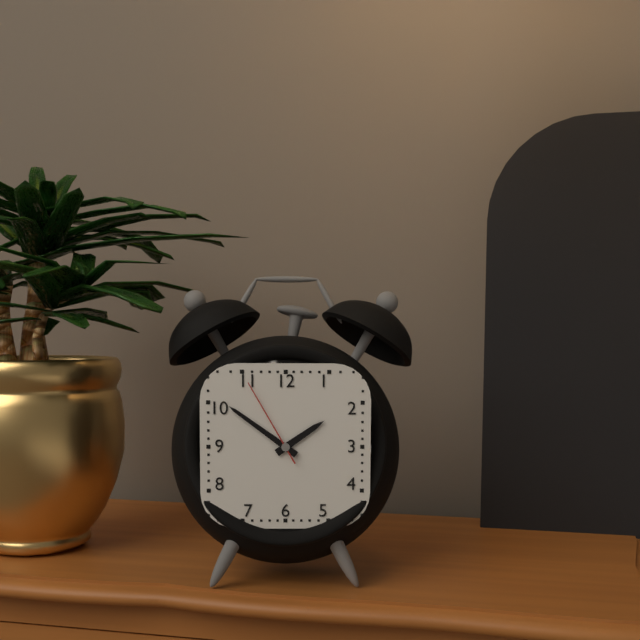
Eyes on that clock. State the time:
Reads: 1:51:55
